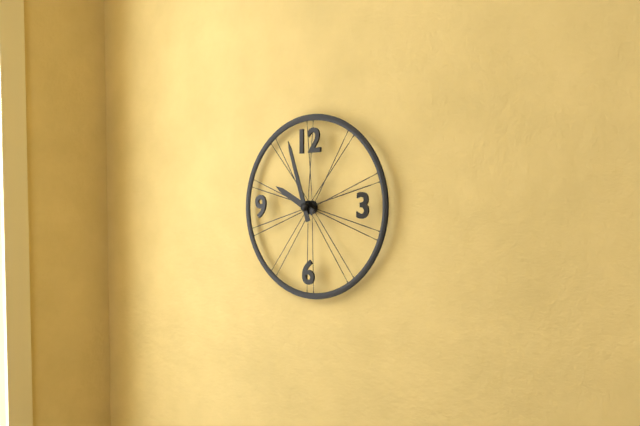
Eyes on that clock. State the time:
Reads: 9:57
